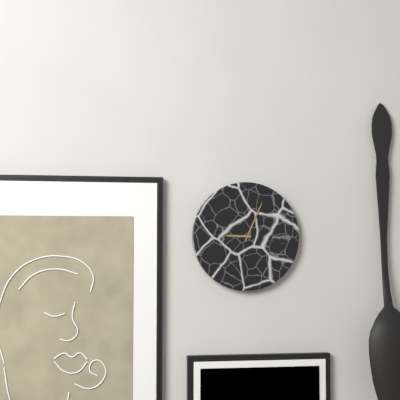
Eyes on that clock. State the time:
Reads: 9:04
